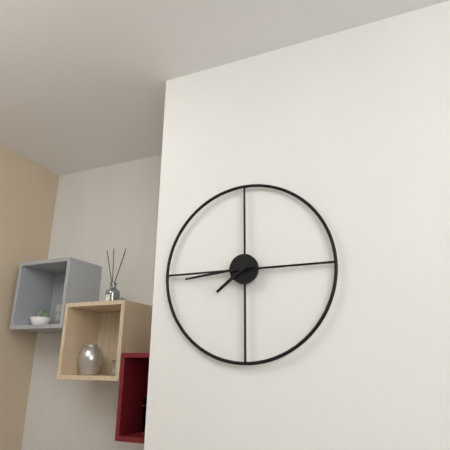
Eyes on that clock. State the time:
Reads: 7:44
